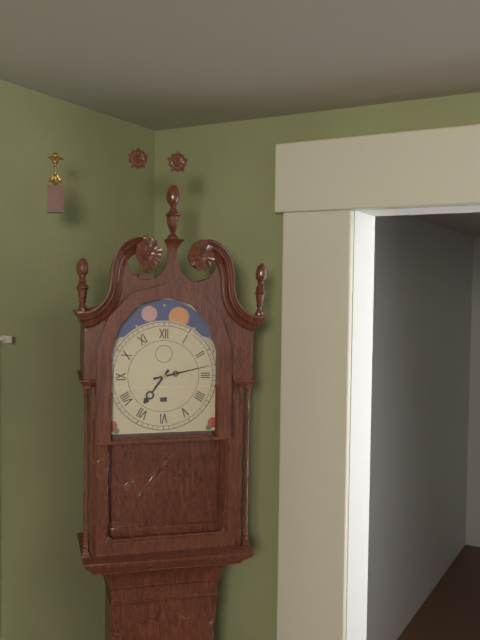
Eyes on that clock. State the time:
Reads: 7:13
